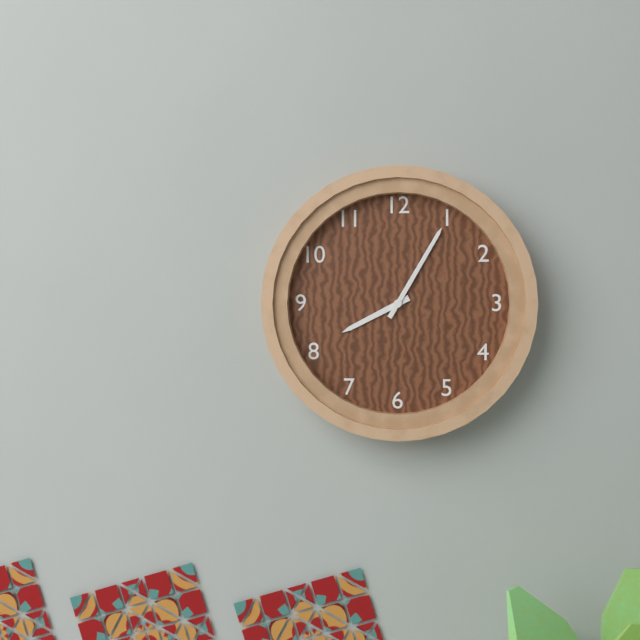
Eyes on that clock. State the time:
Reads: 8:05
